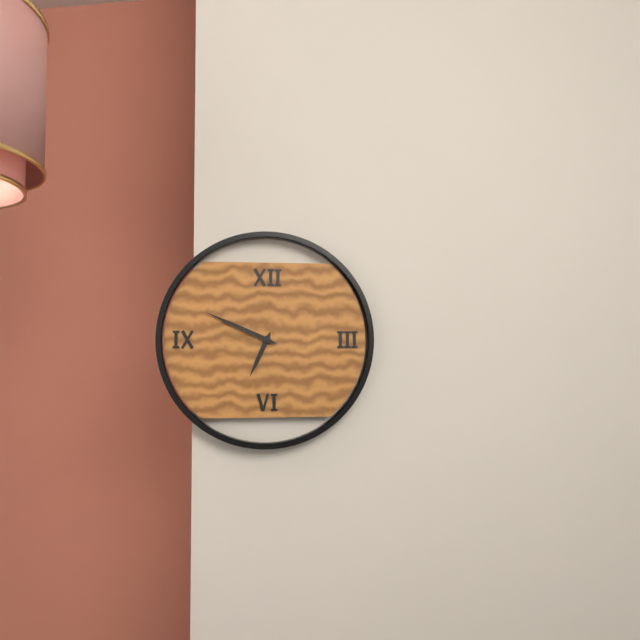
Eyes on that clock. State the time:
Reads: 6:49
